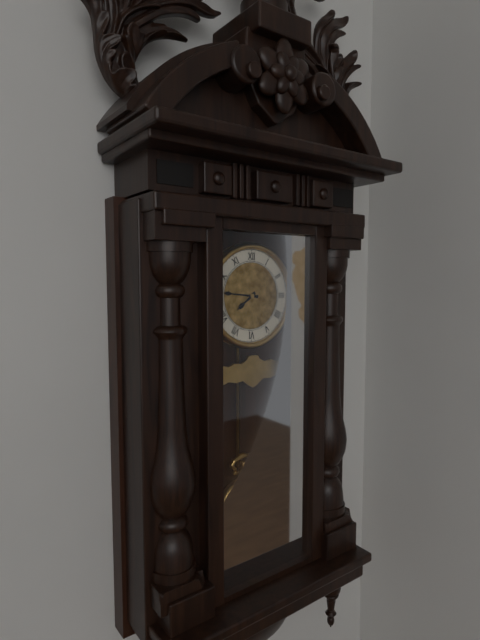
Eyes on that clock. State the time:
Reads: 7:46
